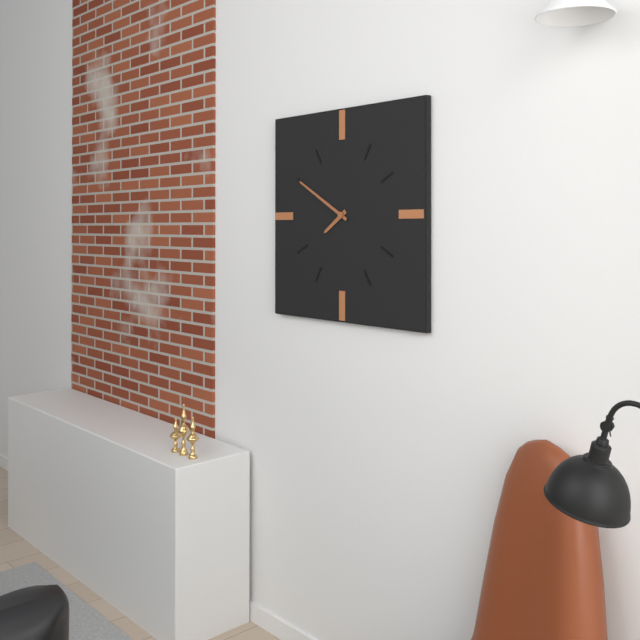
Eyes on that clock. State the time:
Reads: 7:50
